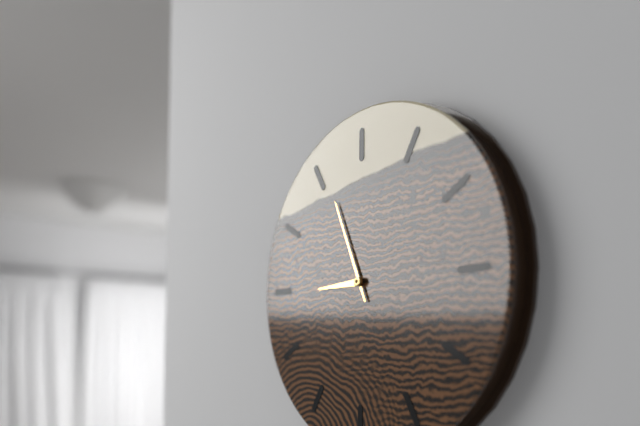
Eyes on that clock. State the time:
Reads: 8:56
